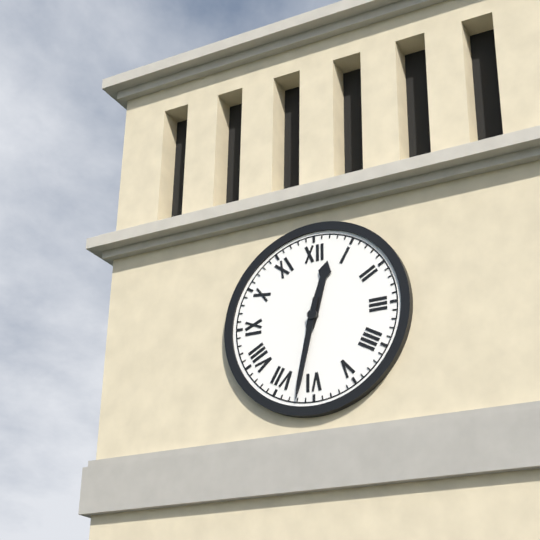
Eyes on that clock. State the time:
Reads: 12:32
